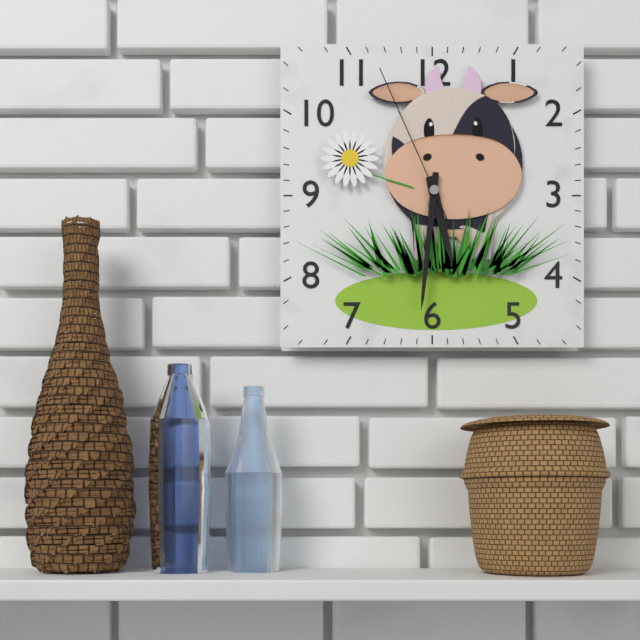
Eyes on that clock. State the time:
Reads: 5:31:56
